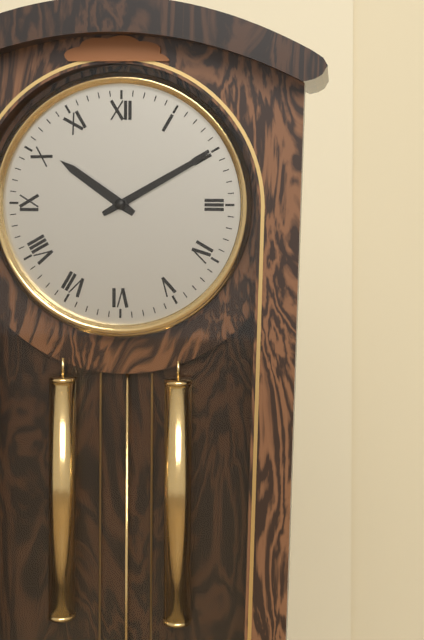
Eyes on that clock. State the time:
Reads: 10:10
